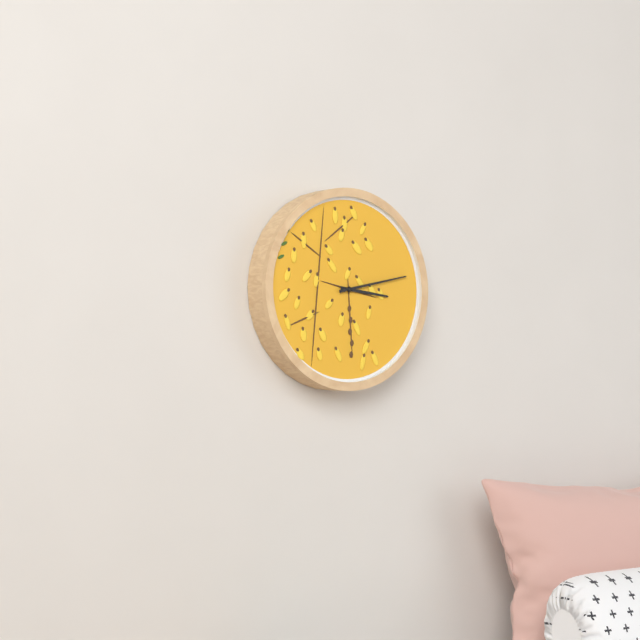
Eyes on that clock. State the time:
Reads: 3:13
